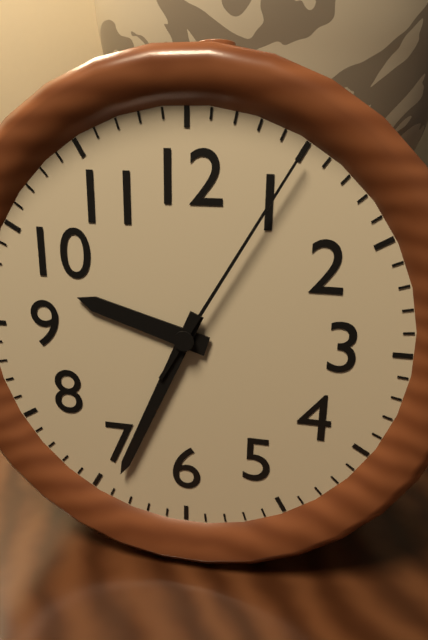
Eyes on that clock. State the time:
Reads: 9:34:05
